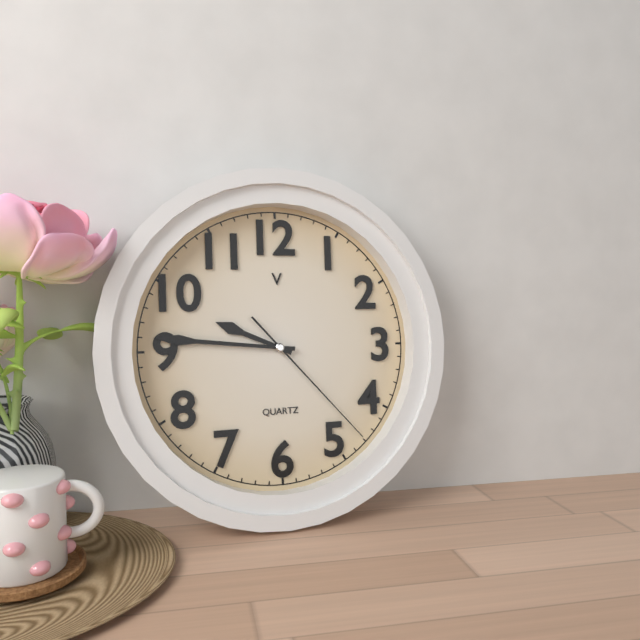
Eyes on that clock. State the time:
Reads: 9:46:23
